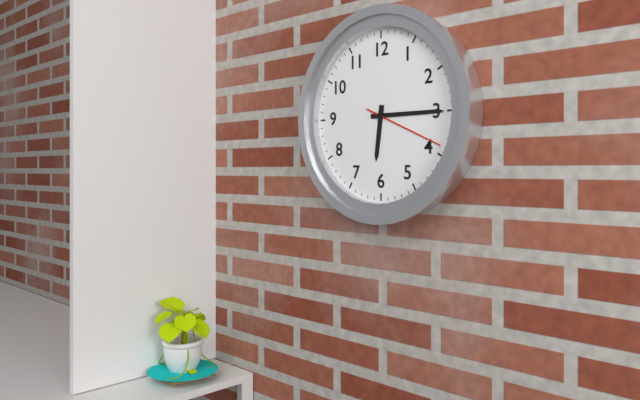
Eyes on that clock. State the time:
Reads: 6:15:19
